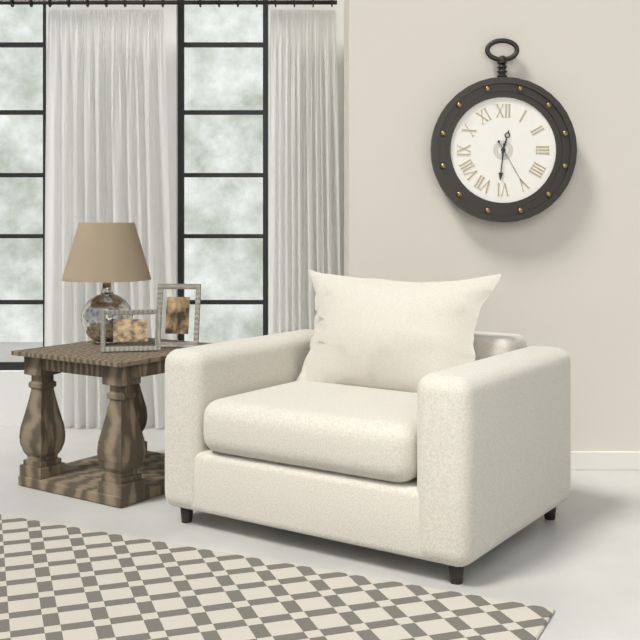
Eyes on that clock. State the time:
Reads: 12:31
